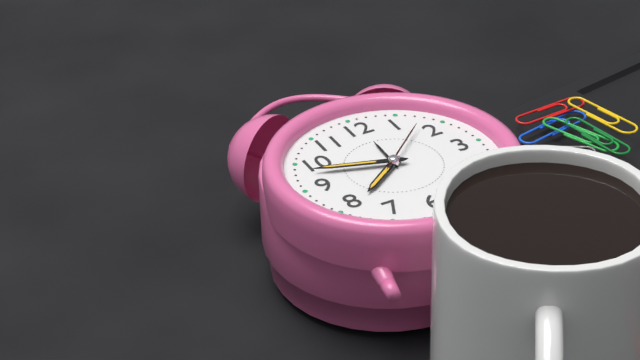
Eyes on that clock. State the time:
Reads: 7:48:08
